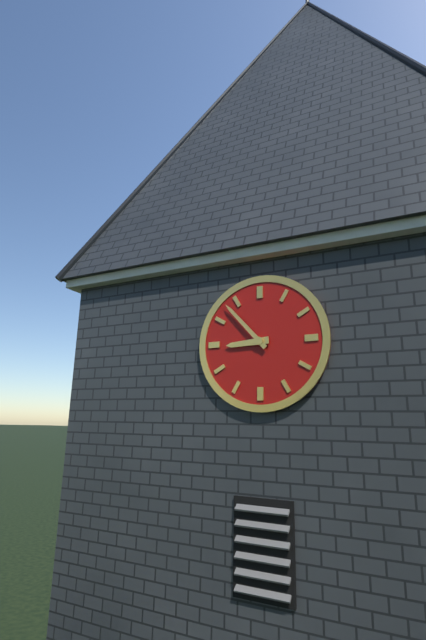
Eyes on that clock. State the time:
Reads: 8:53
